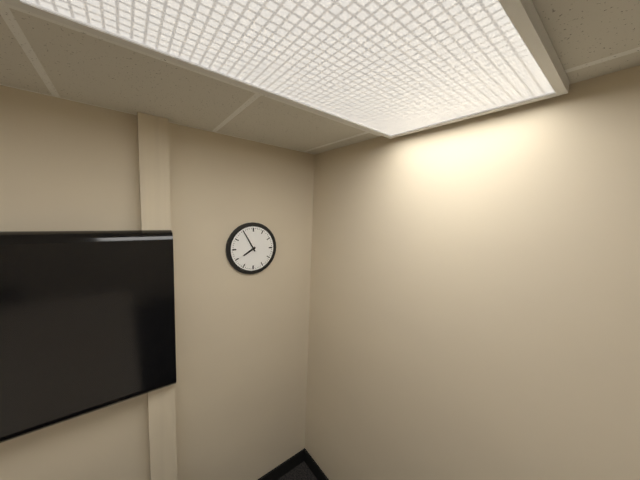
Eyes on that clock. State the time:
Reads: 7:55
